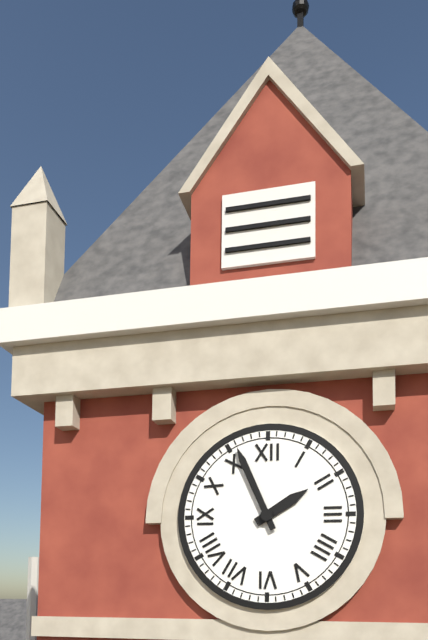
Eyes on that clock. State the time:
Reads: 1:56
